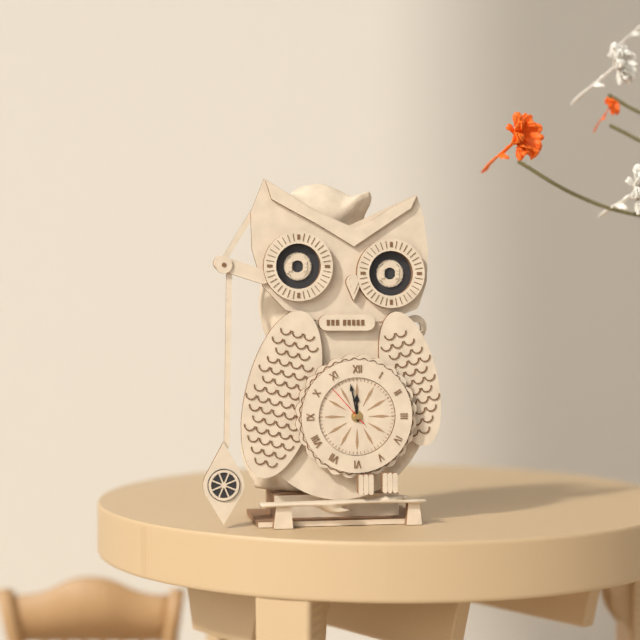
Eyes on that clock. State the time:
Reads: 11:58
